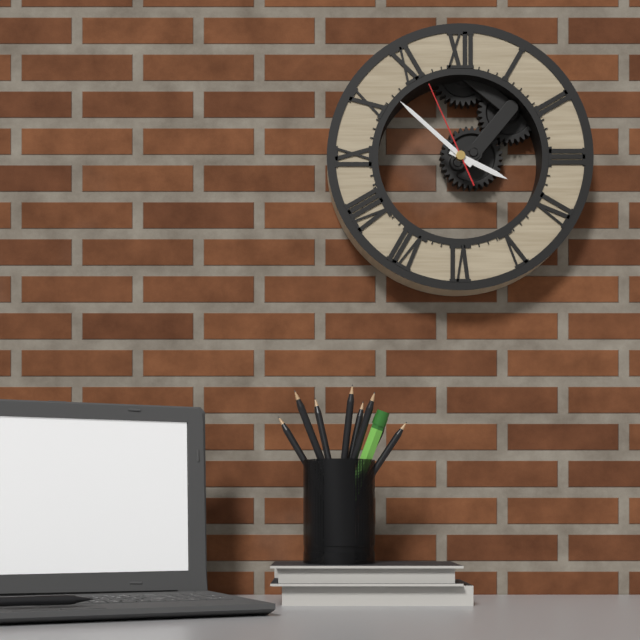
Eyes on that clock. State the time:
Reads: 3:52:56
